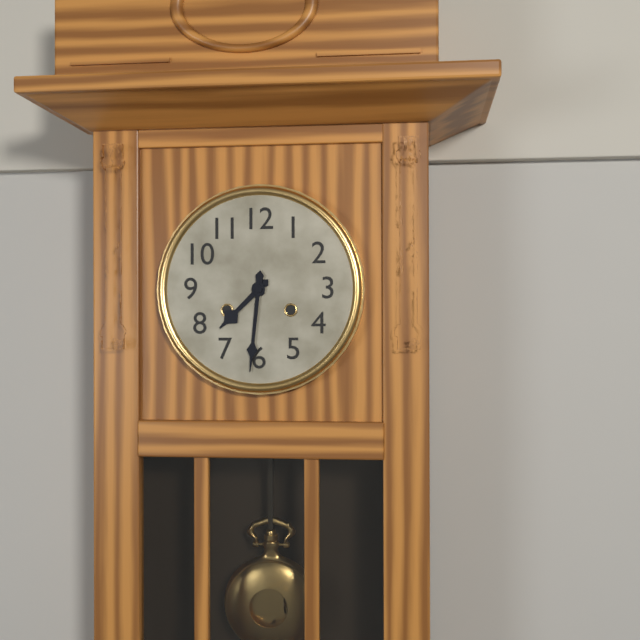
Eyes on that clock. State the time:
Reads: 7:31
